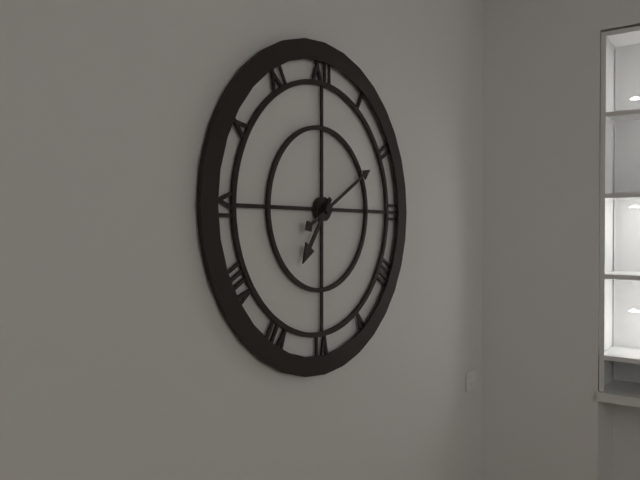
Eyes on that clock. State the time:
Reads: 7:10
